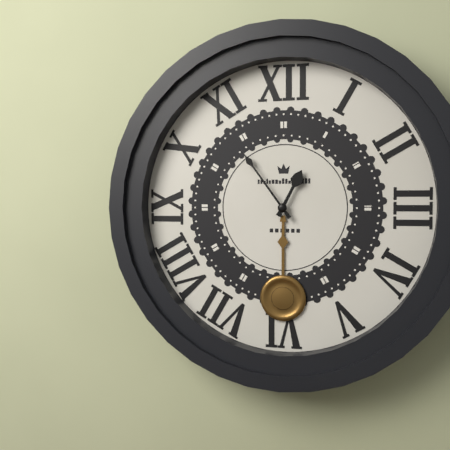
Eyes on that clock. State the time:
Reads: 12:54
